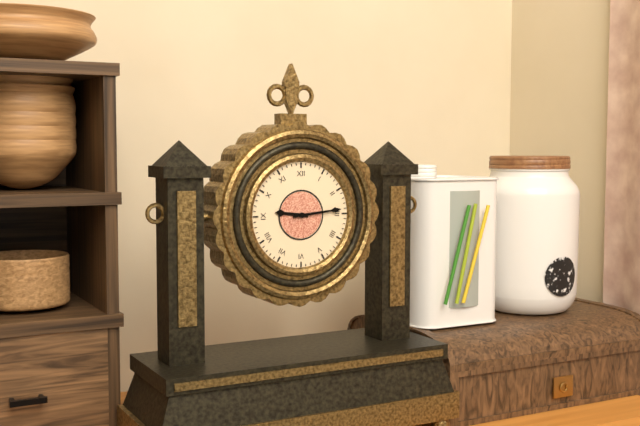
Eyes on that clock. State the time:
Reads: 9:14
